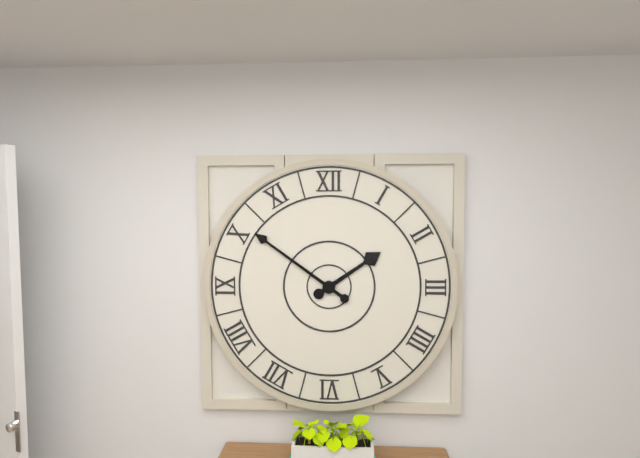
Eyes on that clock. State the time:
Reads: 1:51
